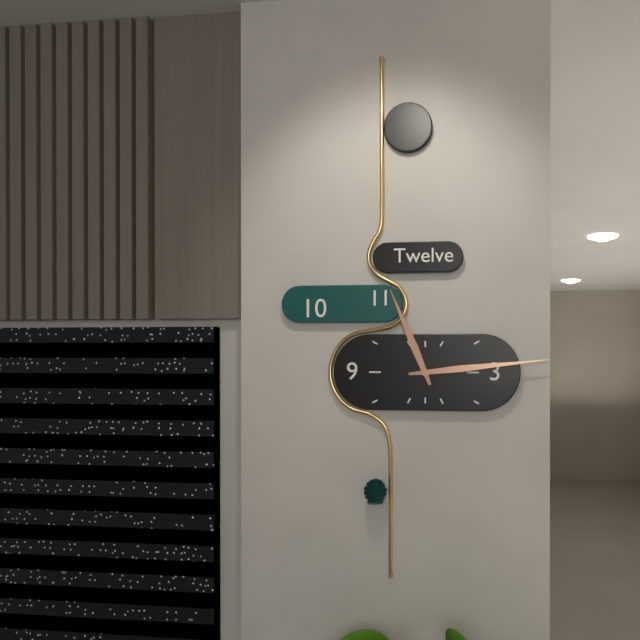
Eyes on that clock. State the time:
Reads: 11:14
